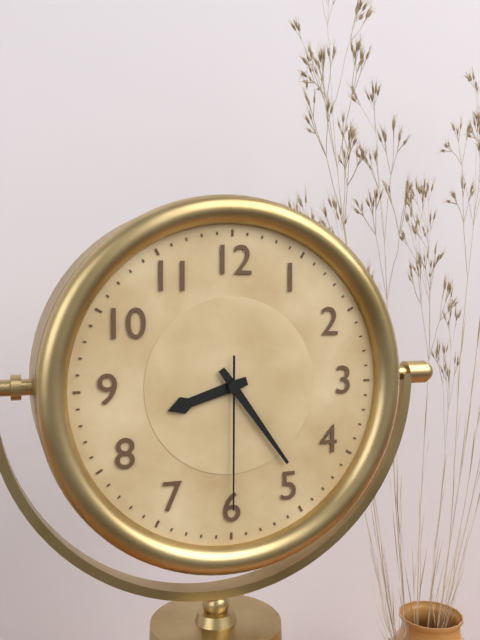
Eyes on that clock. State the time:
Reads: 8:24:30
